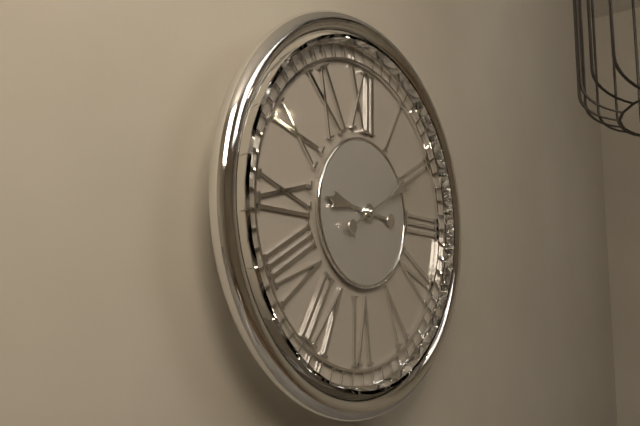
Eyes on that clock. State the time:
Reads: 9:10
